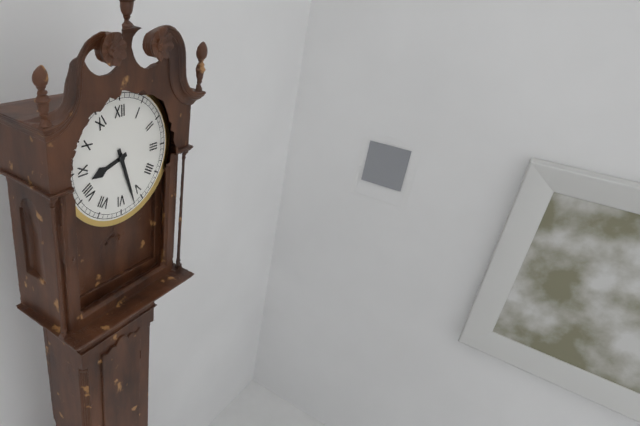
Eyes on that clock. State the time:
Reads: 8:27
